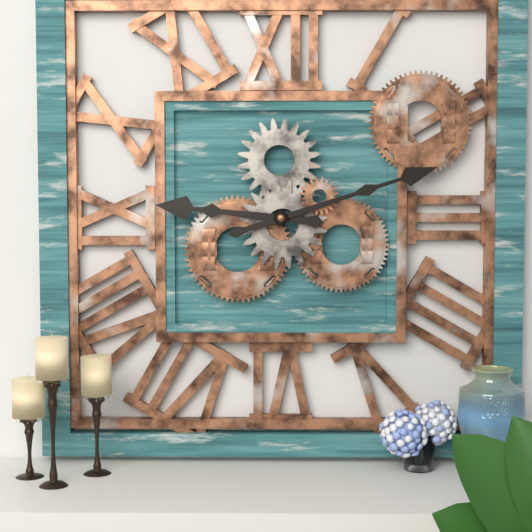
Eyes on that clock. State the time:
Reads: 9:12
